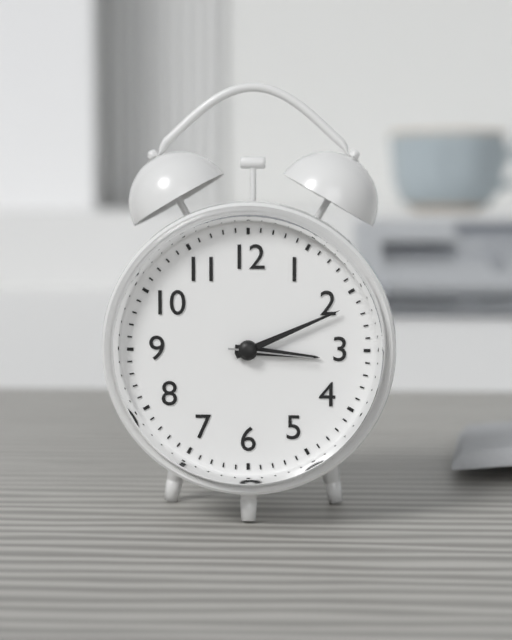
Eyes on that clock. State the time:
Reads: 3:11:16
